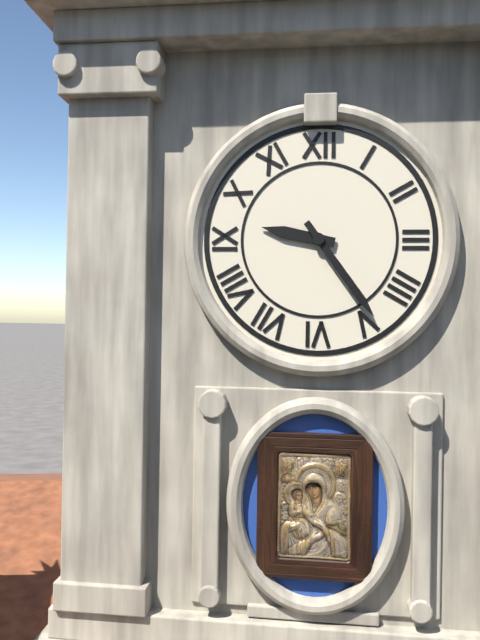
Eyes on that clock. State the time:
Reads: 9:24
